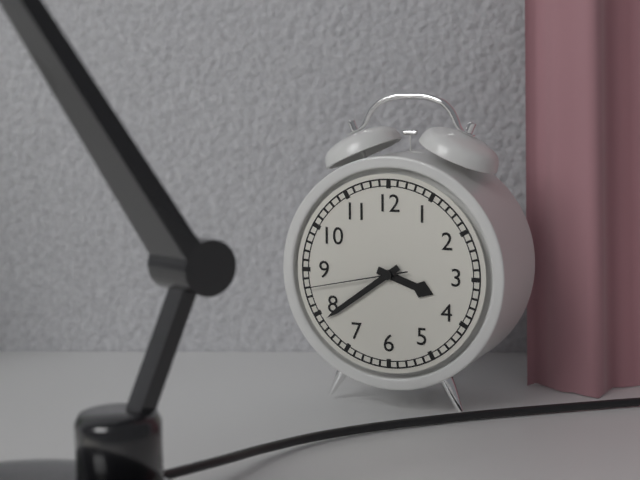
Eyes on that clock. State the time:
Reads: 3:39:43
